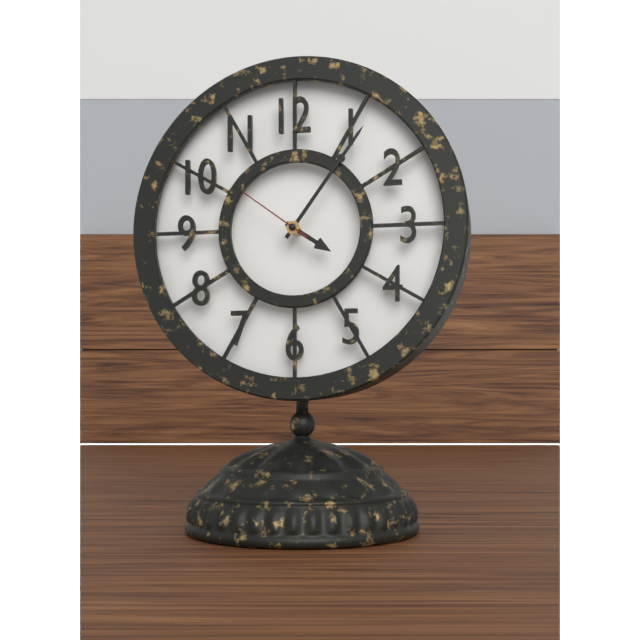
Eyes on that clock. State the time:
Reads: 4:06:51
